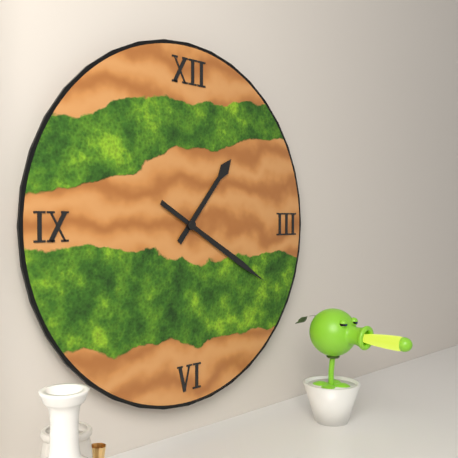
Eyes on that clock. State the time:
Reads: 1:20
